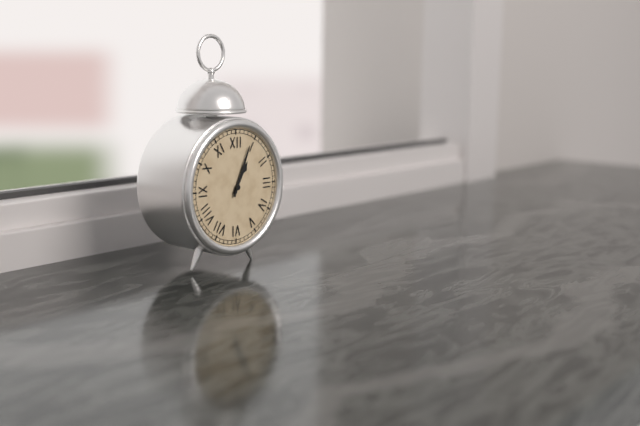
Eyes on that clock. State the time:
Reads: 1:04
